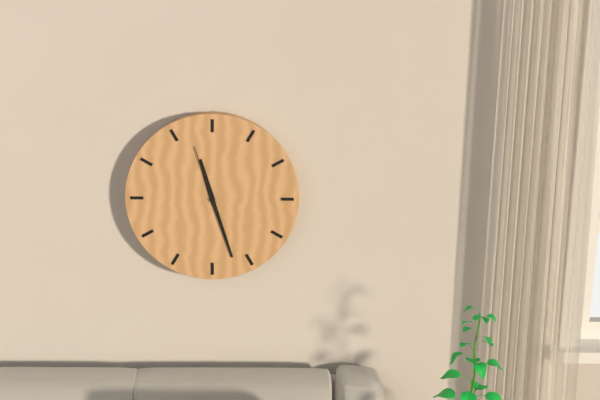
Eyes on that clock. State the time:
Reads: 11:27:57
